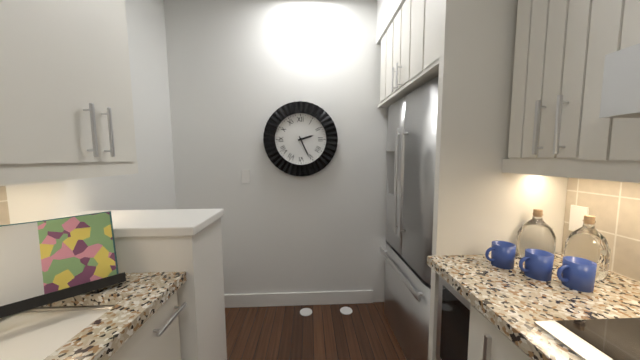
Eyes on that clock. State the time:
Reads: 2:26
